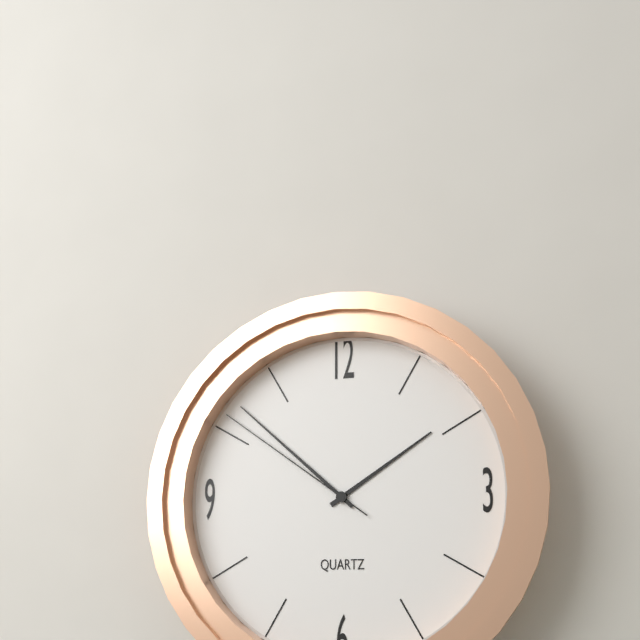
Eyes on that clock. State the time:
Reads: 1:52:51
